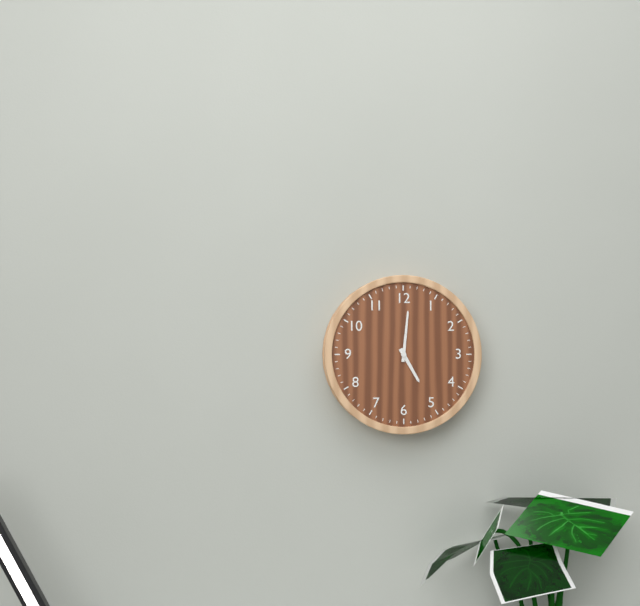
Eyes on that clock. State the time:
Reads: 5:01
